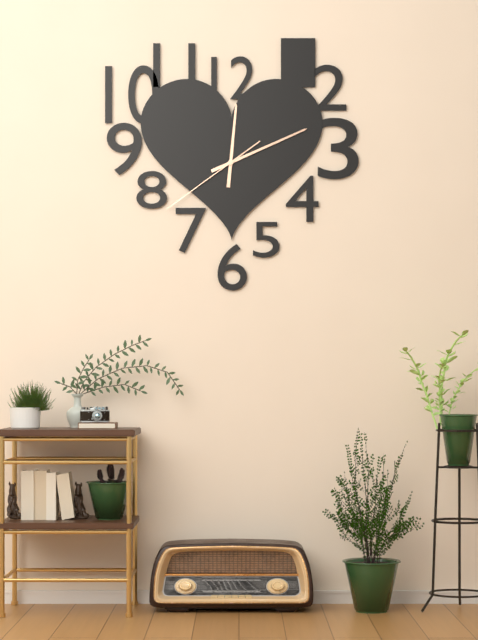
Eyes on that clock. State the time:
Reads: 12:11:39
